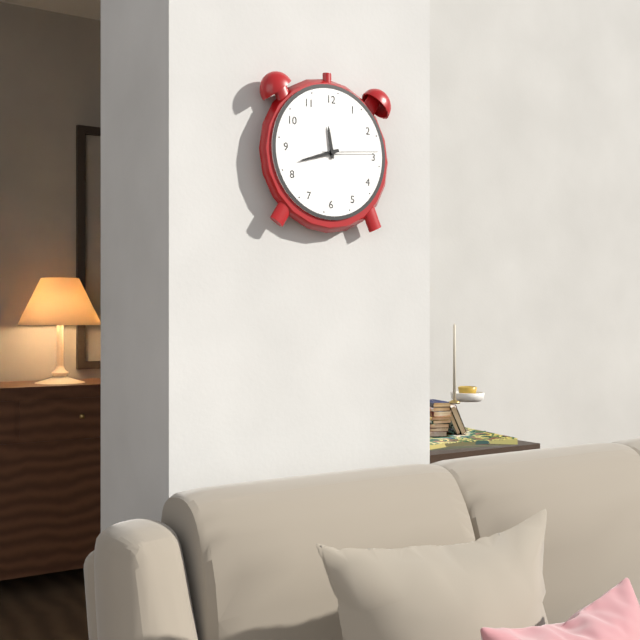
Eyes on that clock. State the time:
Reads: 11:42:14
